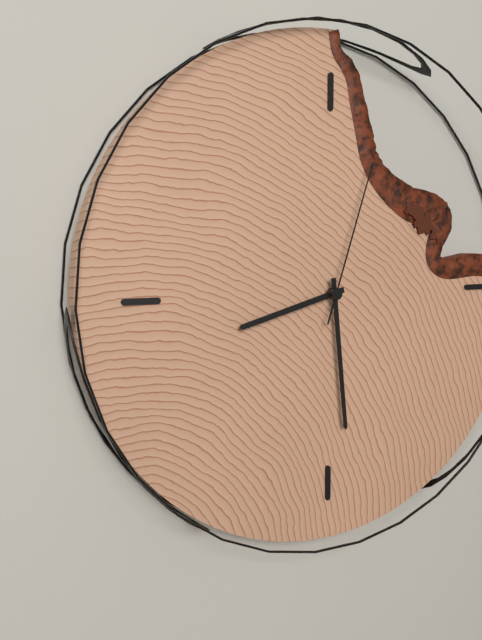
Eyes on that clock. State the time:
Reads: 8:29:03
